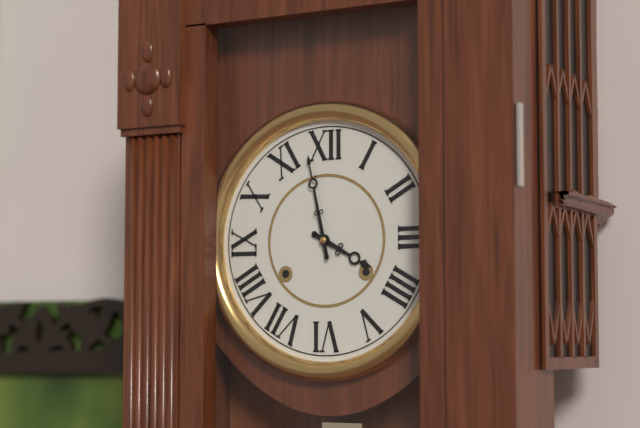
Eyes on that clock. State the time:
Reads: 3:58
